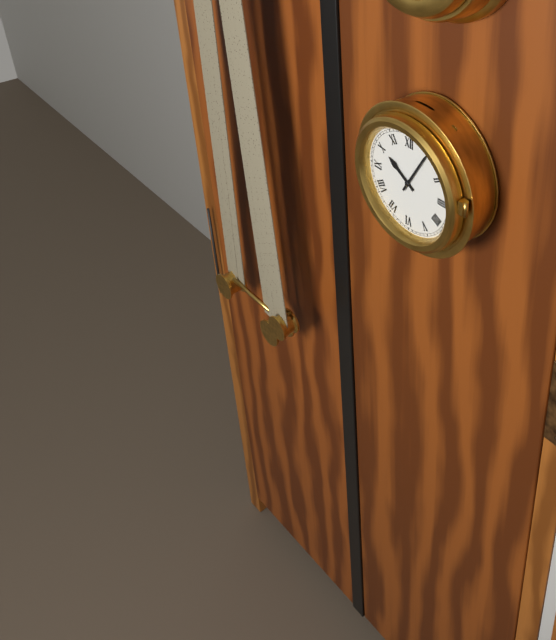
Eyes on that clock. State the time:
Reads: 10:05
